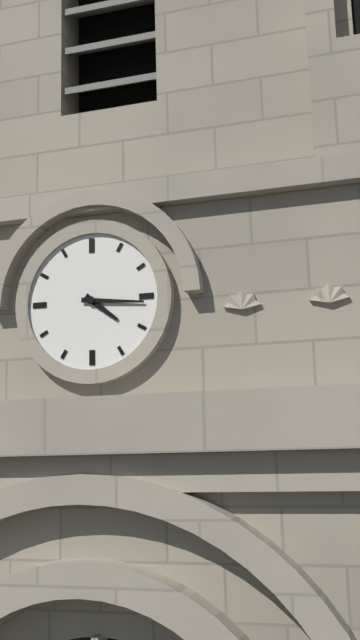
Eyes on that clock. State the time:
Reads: 4:16
